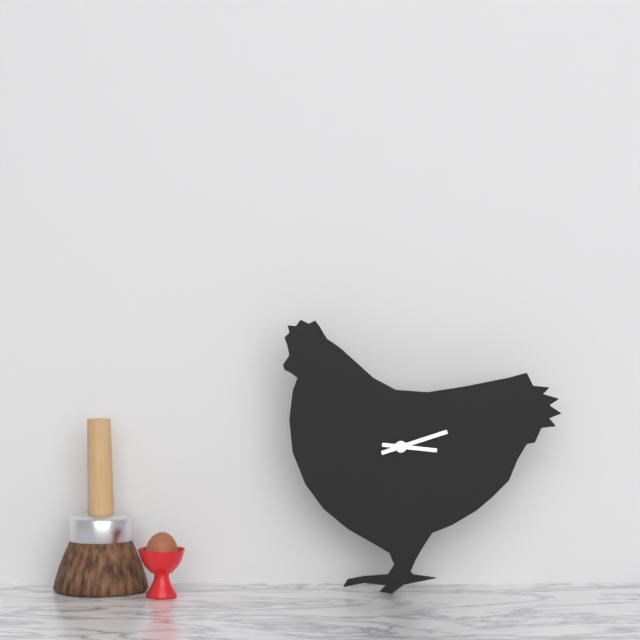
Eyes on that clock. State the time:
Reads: 3:12
